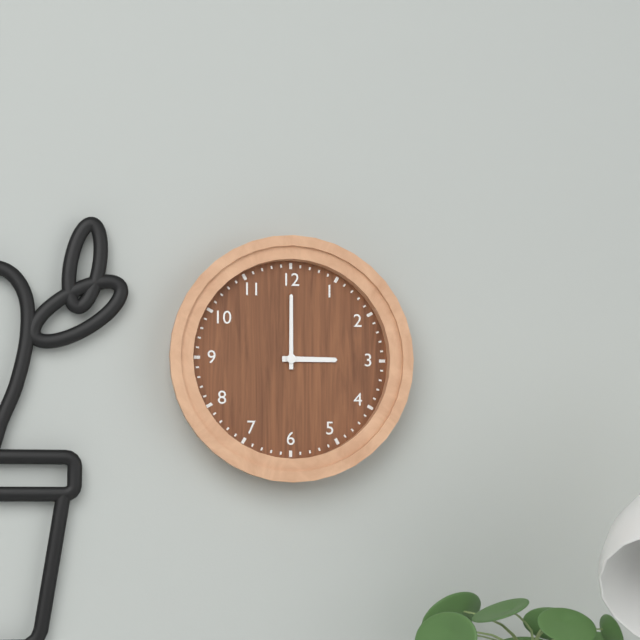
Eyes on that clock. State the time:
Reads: 3:00
